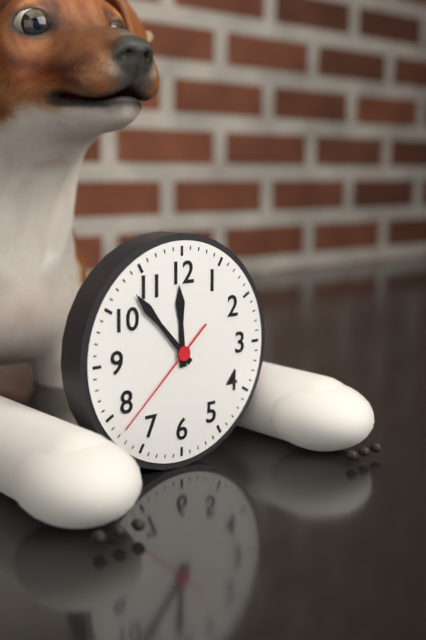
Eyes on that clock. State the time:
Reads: 11:53:38
